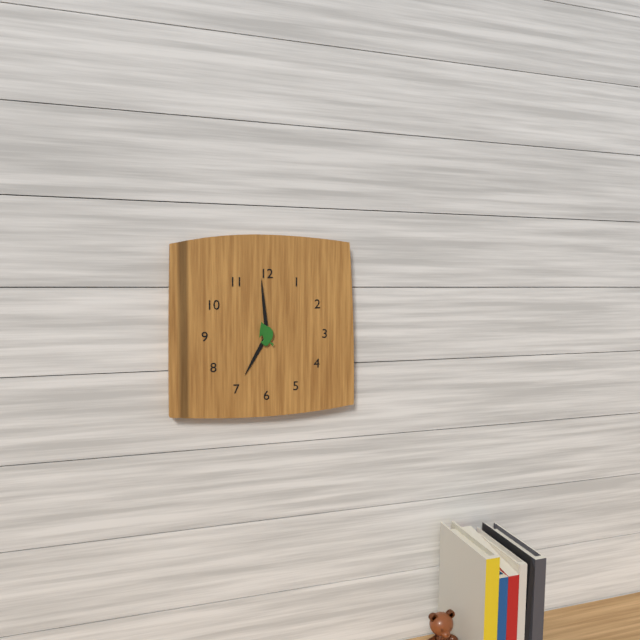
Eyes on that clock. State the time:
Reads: 6:59
